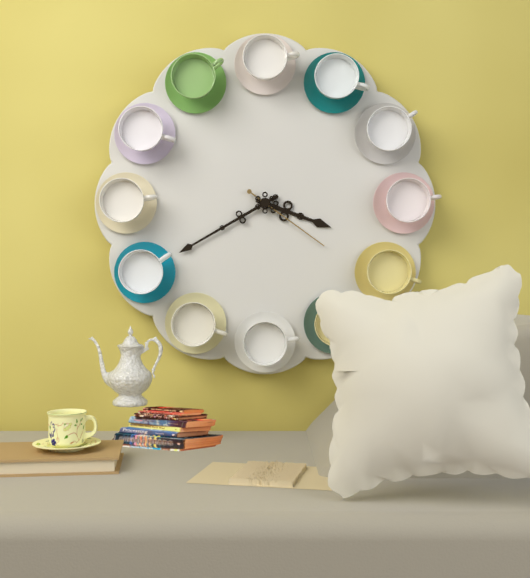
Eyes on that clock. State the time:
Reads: 3:40:21
